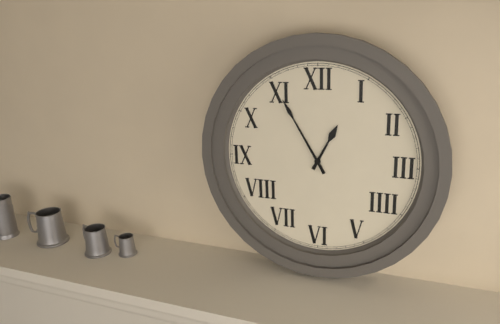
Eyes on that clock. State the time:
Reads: 12:55
